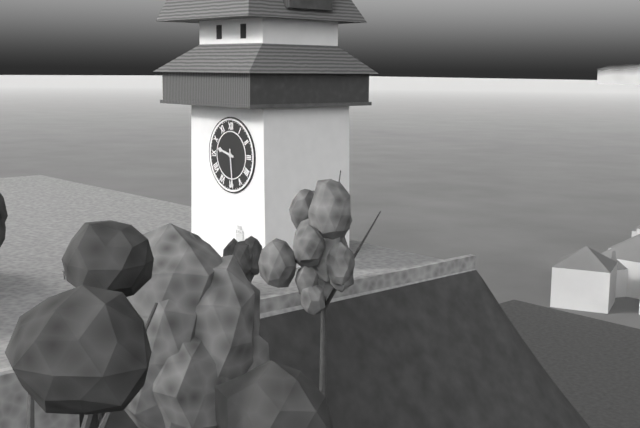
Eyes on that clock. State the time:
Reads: 9:29
